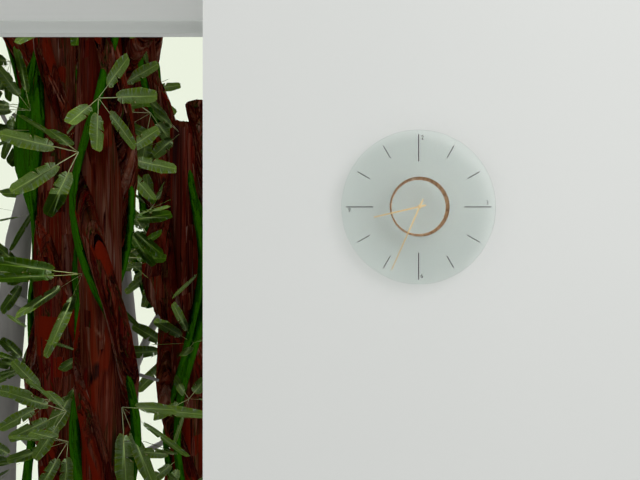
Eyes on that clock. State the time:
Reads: 8:34
